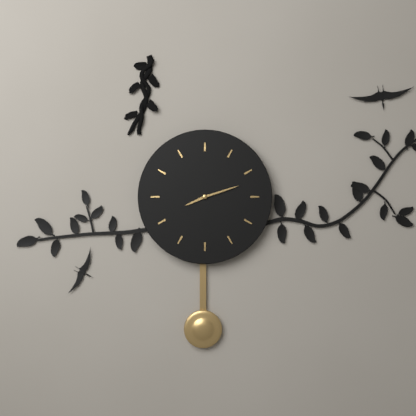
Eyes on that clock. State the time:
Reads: 8:12
